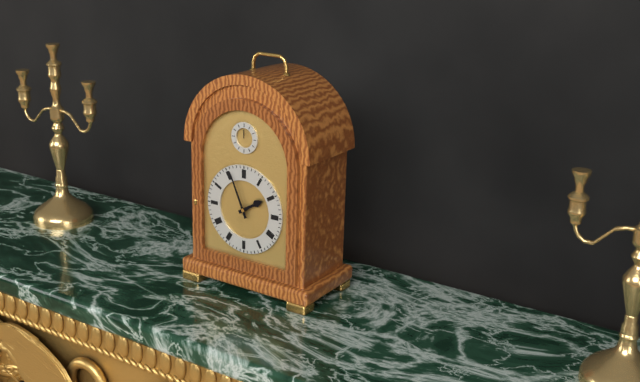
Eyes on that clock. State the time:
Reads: 1:56
